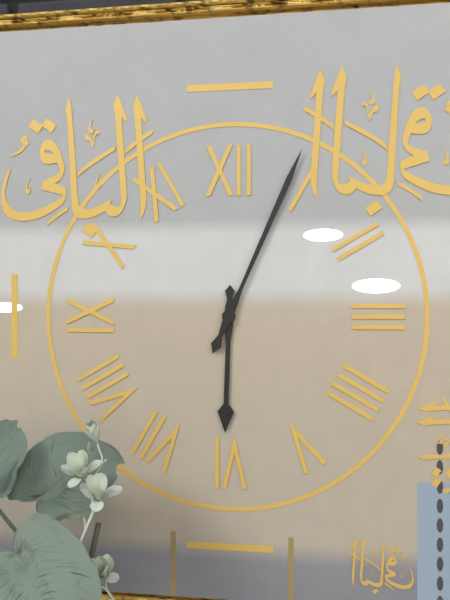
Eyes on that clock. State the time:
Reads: 6:04
